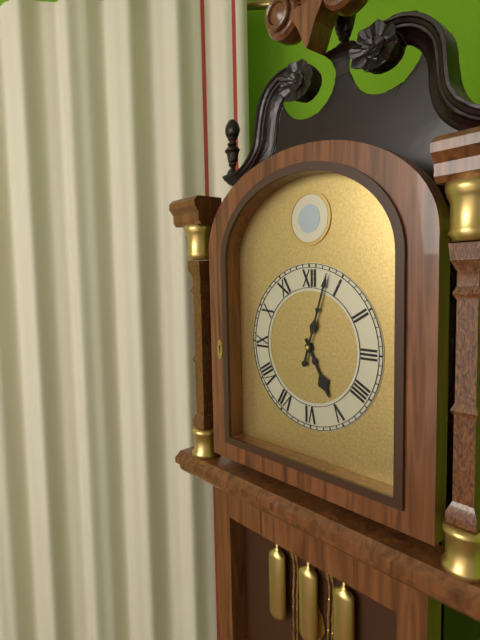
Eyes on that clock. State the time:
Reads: 5:03
